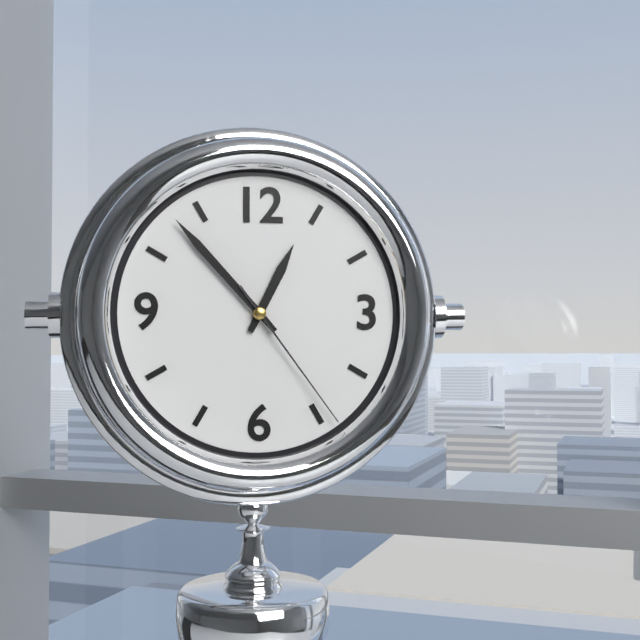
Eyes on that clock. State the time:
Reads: 12:53:24
